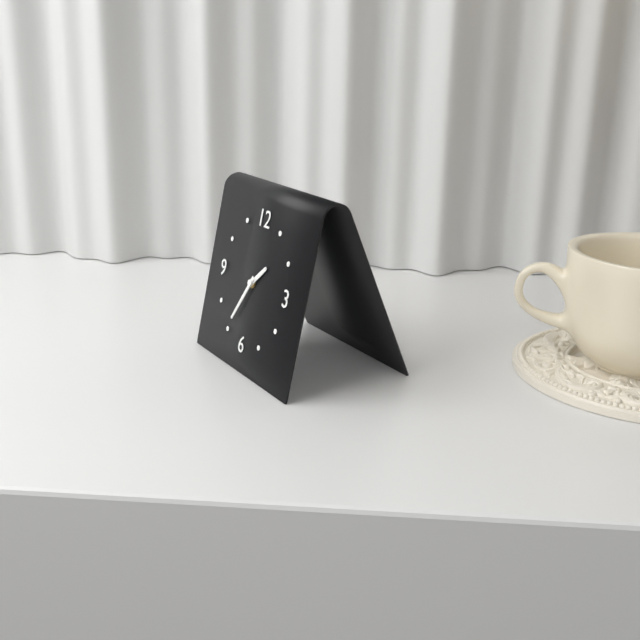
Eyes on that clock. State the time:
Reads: 1:35
